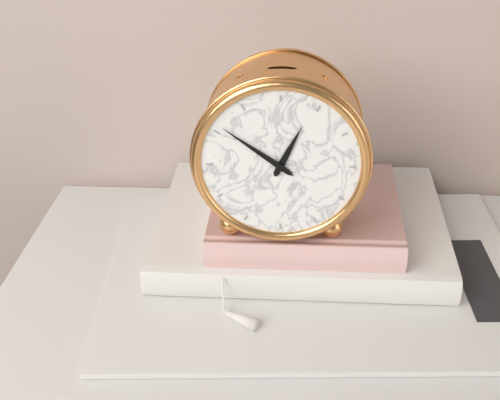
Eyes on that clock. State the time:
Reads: 12:51
